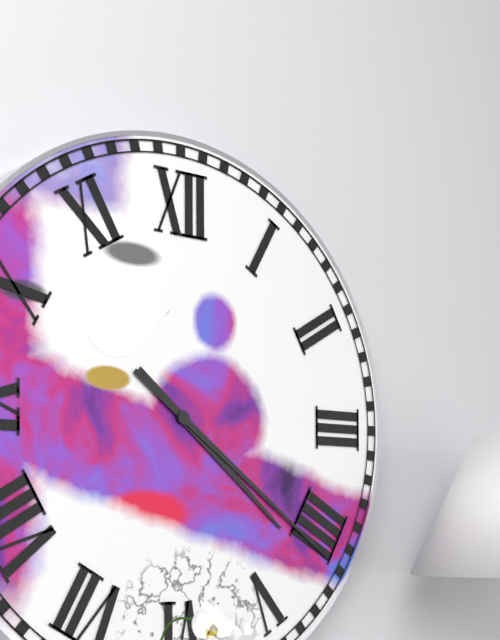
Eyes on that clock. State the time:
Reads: 4:21
